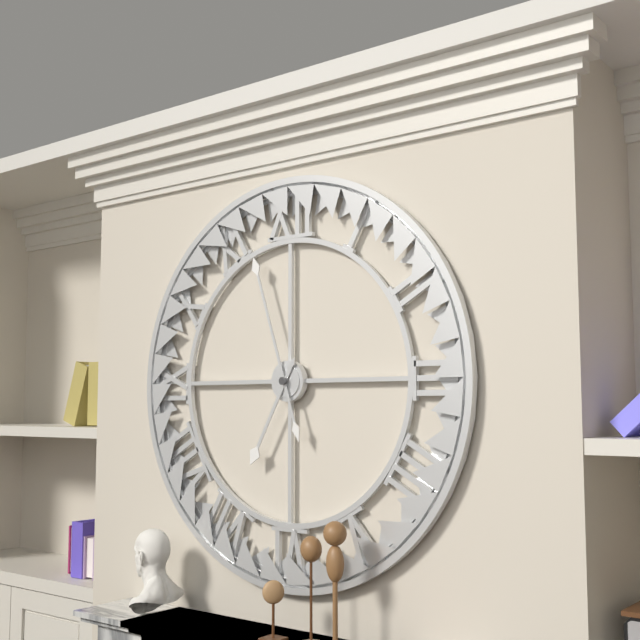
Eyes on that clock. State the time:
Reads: 6:57
